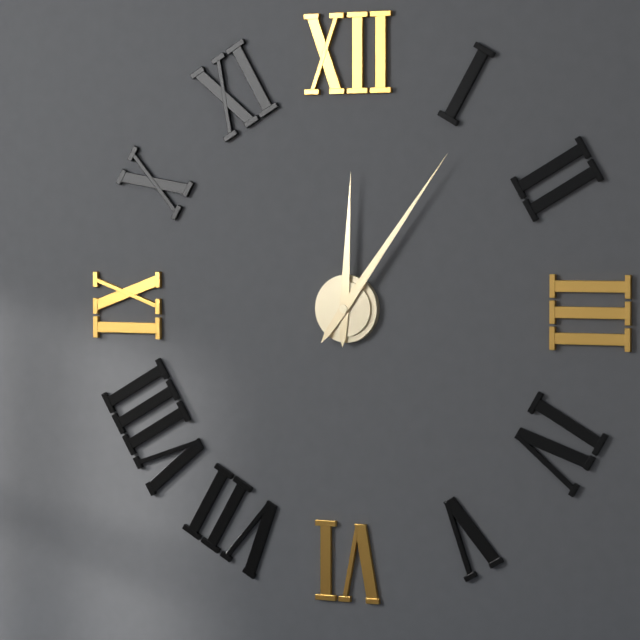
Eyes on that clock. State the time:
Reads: 12:06
